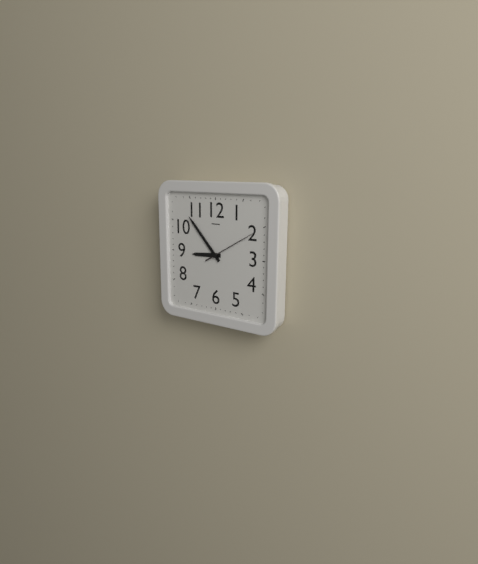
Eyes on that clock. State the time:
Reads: 8:53:10
